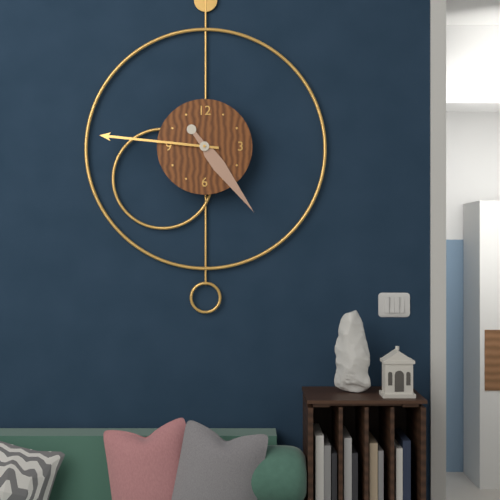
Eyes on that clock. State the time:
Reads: 4:46
